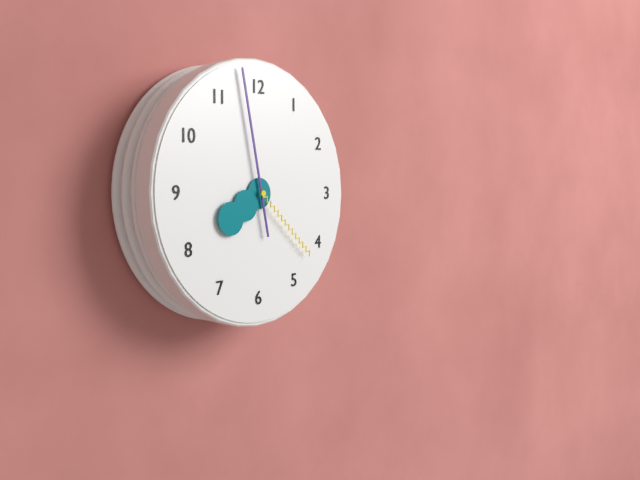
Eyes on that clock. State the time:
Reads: 7:58:22
